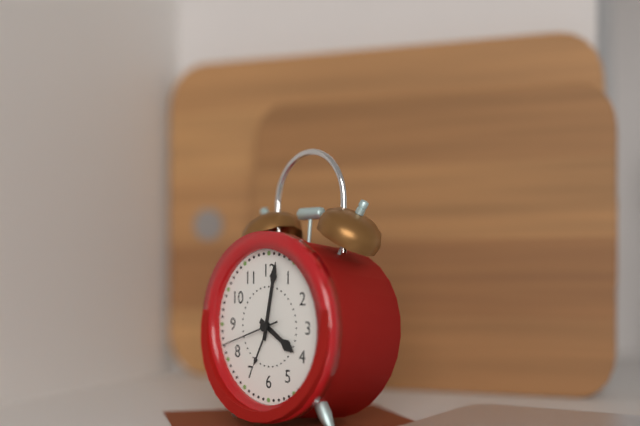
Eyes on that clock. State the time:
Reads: 4:02:42
